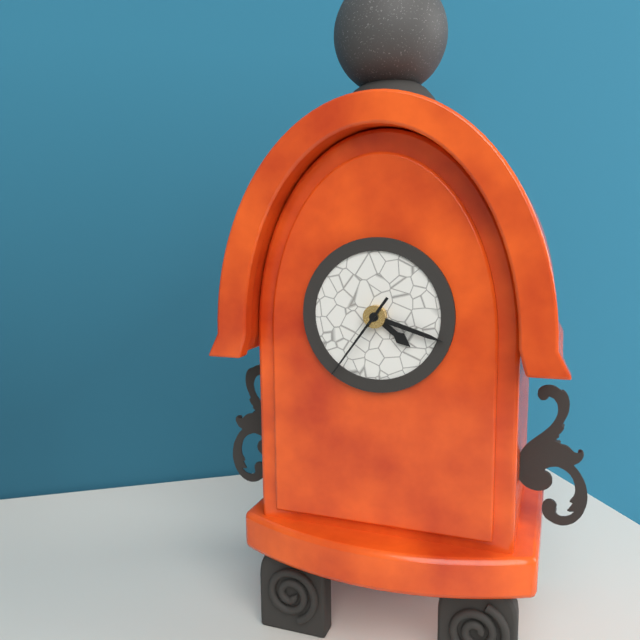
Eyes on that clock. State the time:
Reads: 4:18:36
